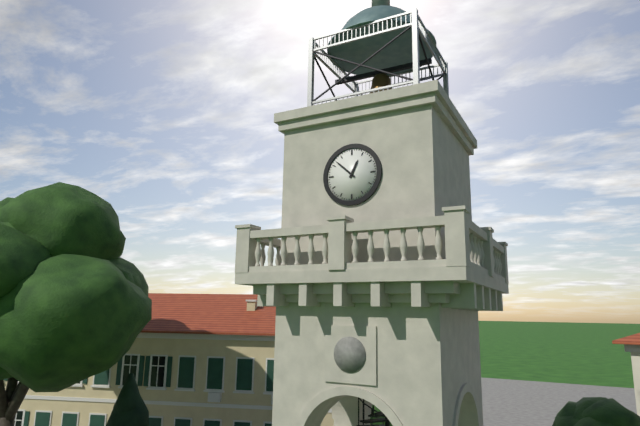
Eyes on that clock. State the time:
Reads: 12:52
